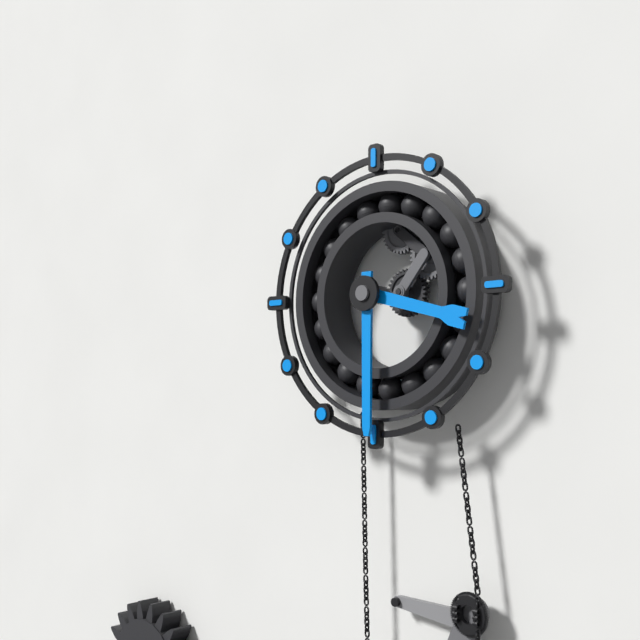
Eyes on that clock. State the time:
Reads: 3:30
